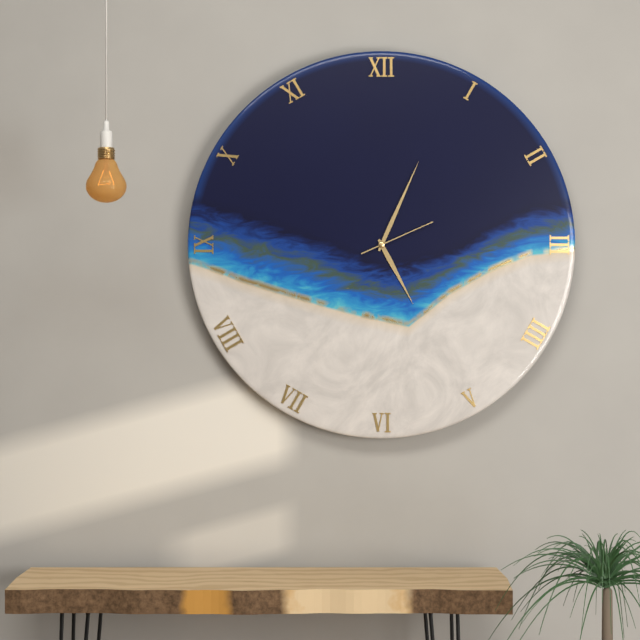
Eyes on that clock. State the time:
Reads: 5:04:11
